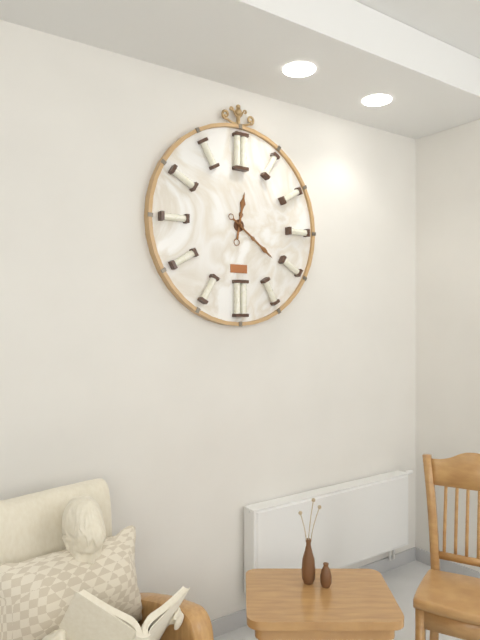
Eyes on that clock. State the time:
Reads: 12:21
